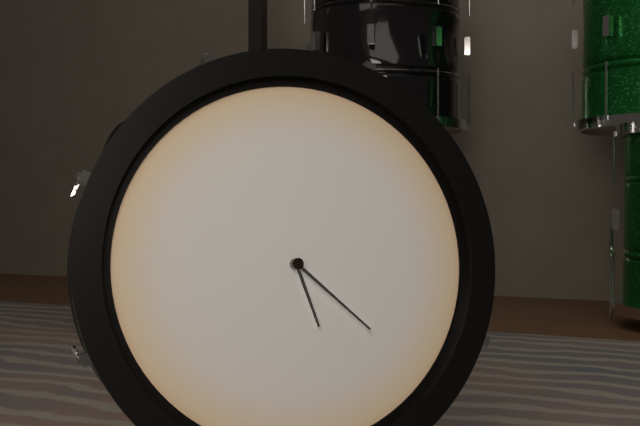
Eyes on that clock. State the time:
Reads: 5:22
